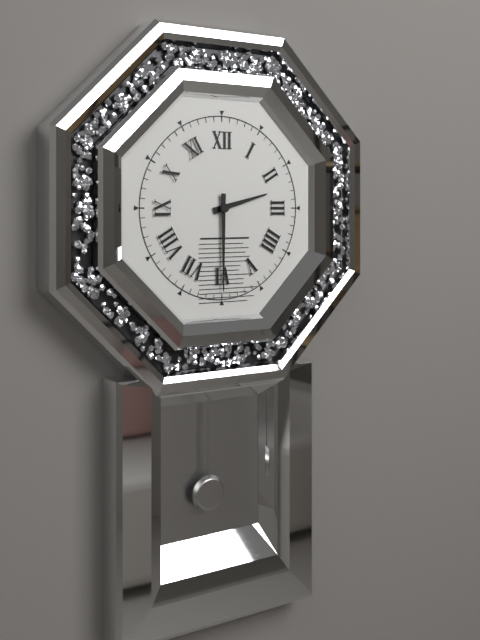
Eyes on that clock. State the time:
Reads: 2:30
